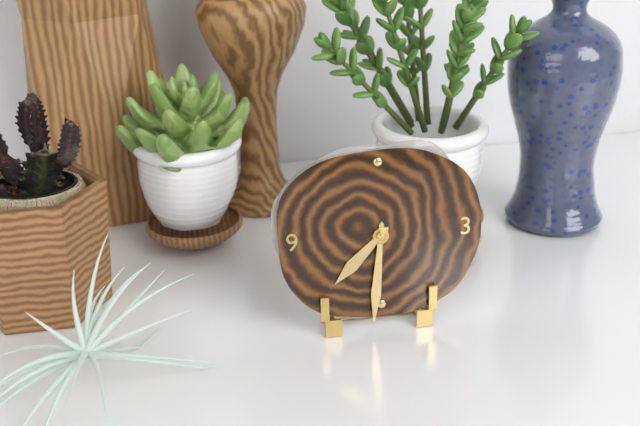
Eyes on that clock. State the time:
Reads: 7:31
